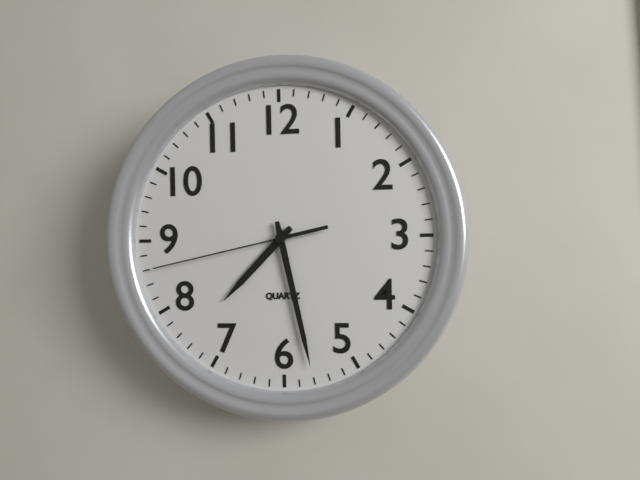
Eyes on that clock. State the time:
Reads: 7:28:43
